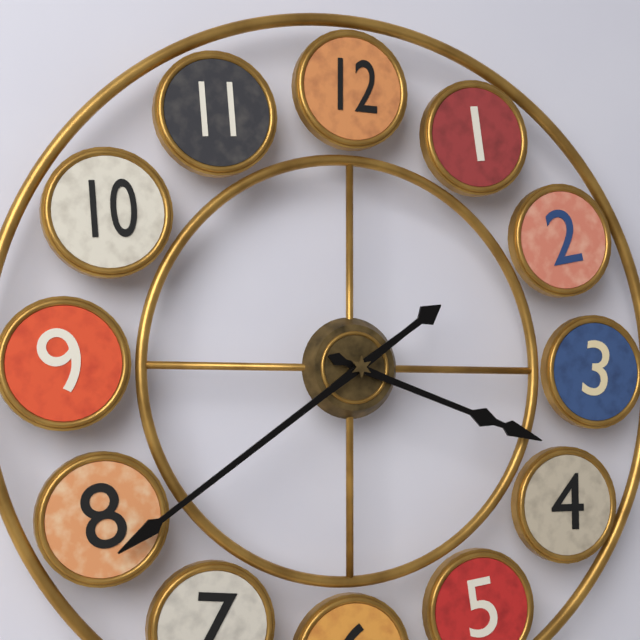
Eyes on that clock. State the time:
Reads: 3:39
